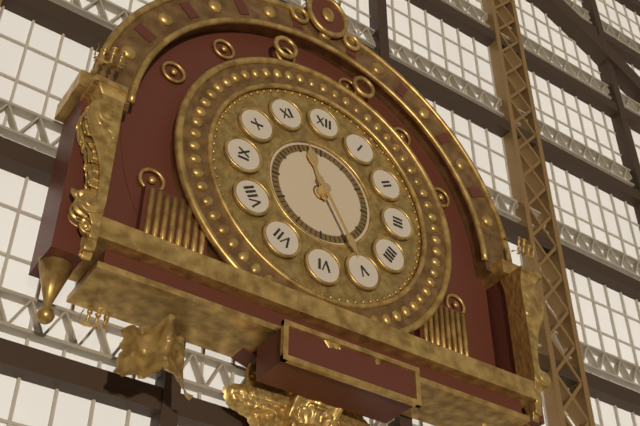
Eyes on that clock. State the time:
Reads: 11:25
